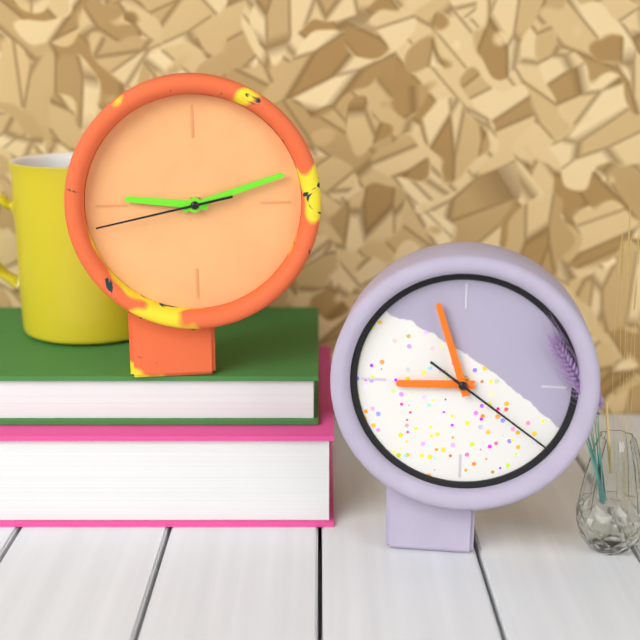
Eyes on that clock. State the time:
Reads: 9:12:43
